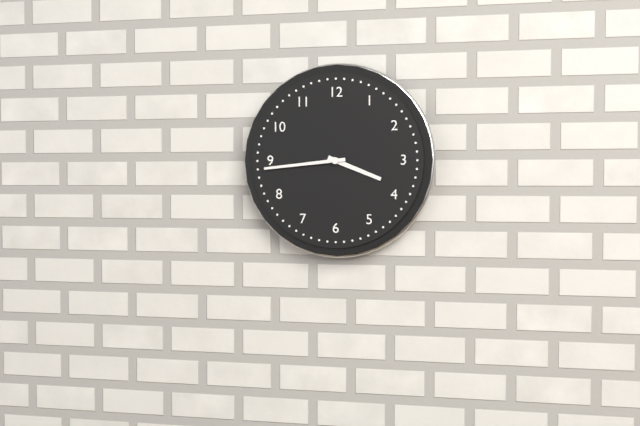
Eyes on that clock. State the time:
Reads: 3:44
